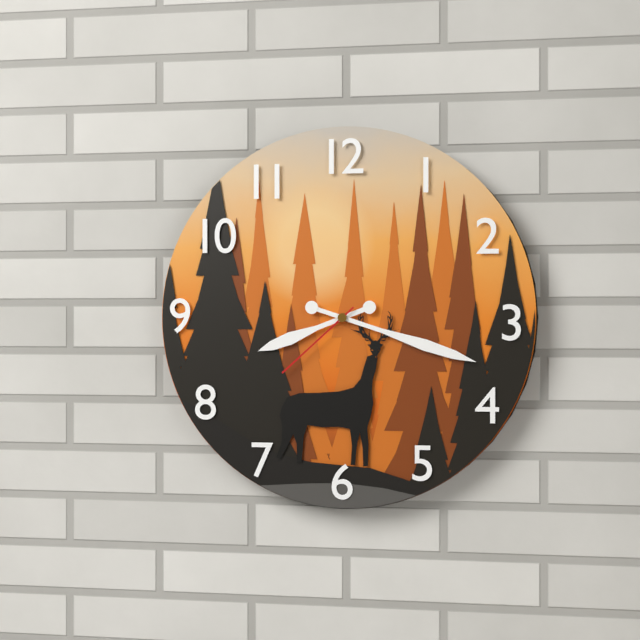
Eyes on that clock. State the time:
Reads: 8:18:38
